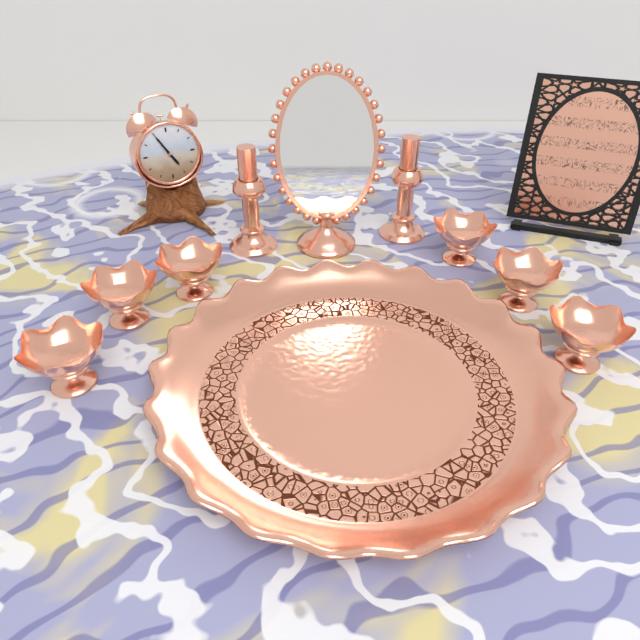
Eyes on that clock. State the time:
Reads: 4:55
